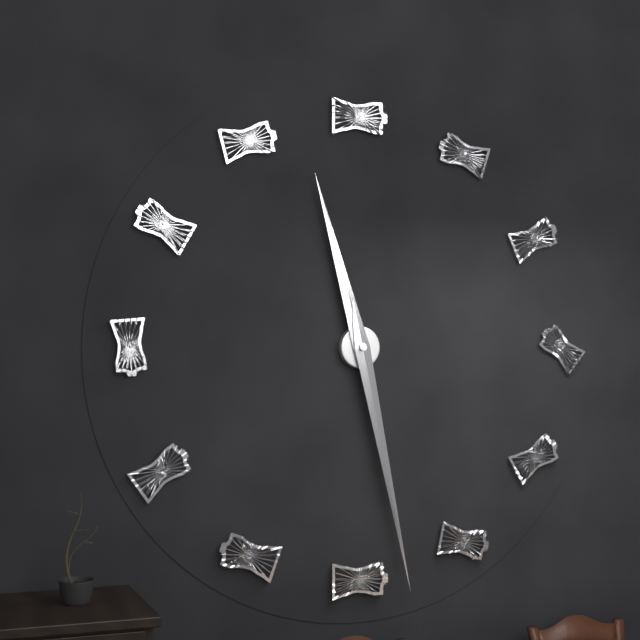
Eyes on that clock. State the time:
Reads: 11:28
